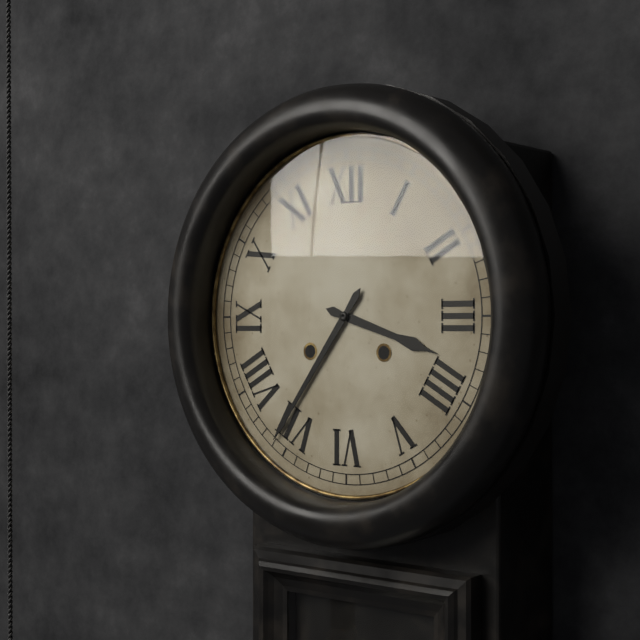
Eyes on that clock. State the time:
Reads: 3:36
